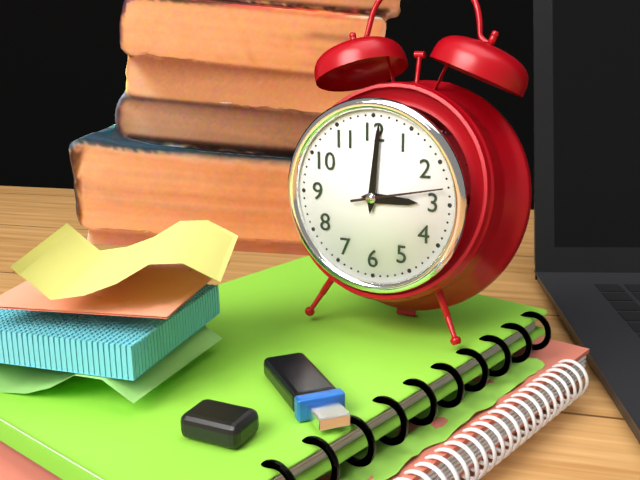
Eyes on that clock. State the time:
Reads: 3:01:13
